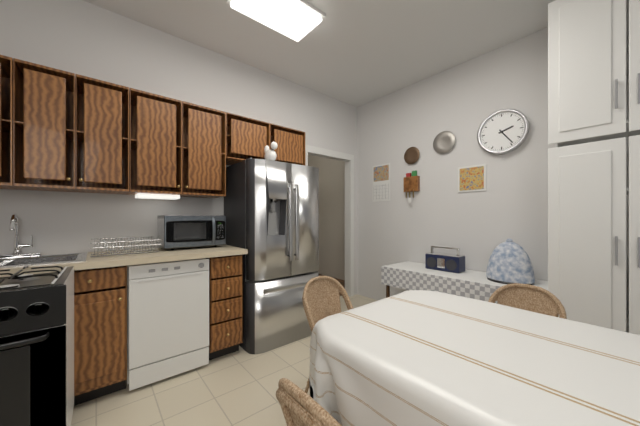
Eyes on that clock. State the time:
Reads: 2:24
